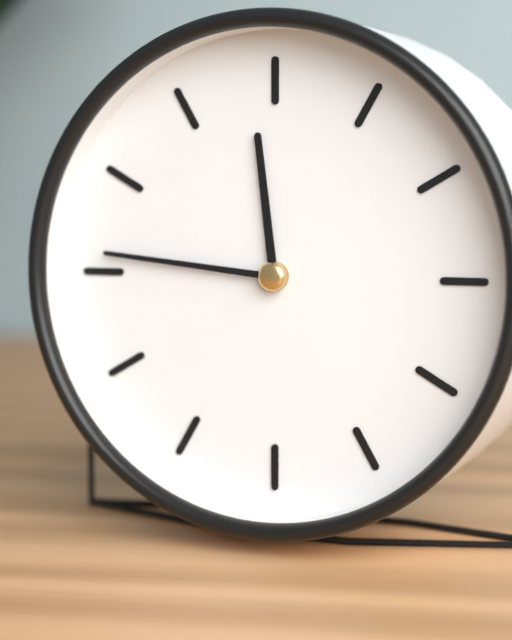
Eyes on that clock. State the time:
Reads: 11:46
